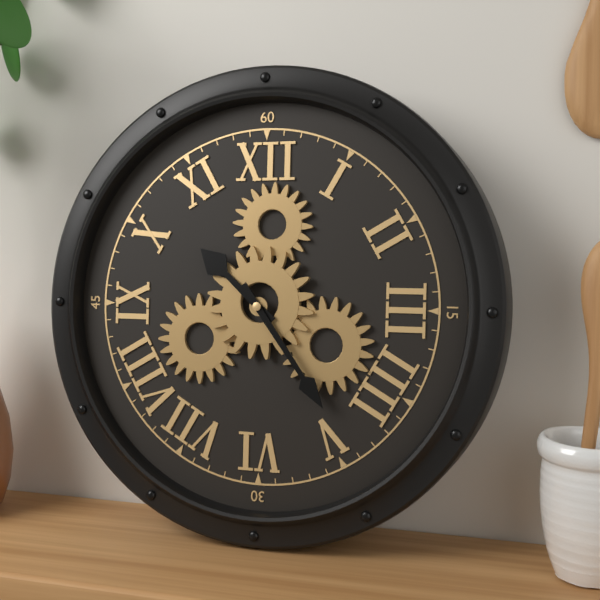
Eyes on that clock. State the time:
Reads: 10:24
